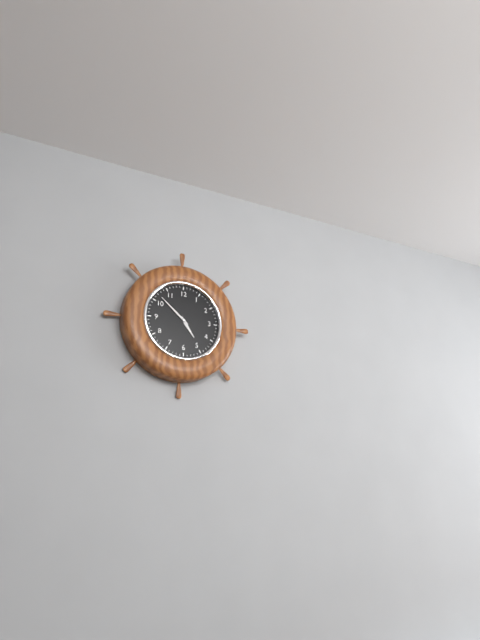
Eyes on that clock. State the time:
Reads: 4:52
